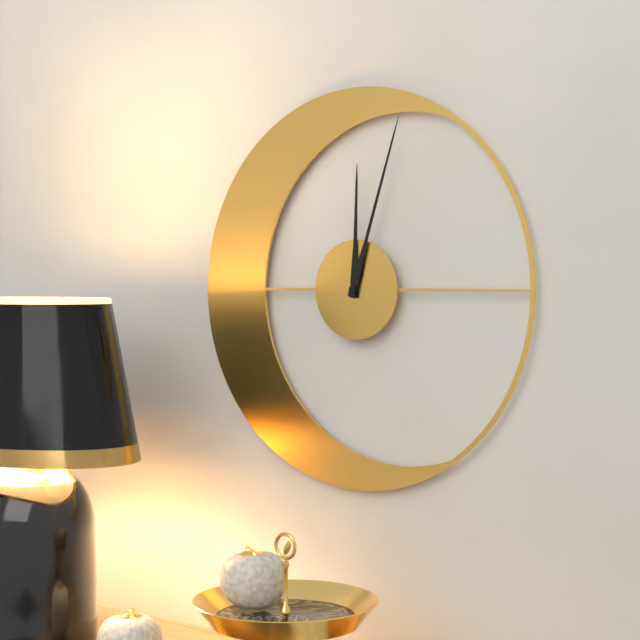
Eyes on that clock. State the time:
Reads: 12:03
